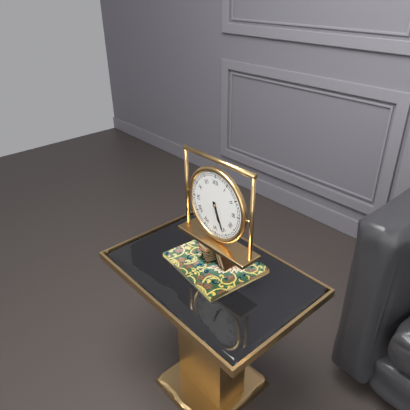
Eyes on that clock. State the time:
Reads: 5:26
